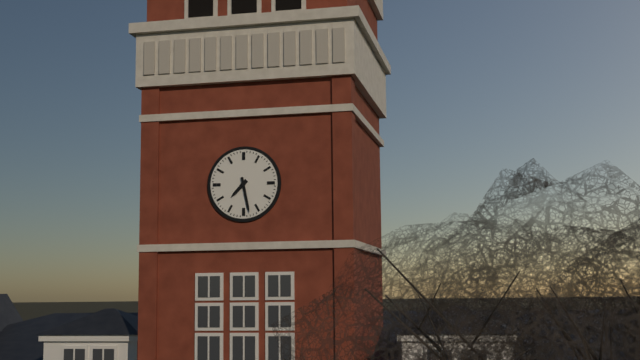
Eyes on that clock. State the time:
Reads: 7:28
